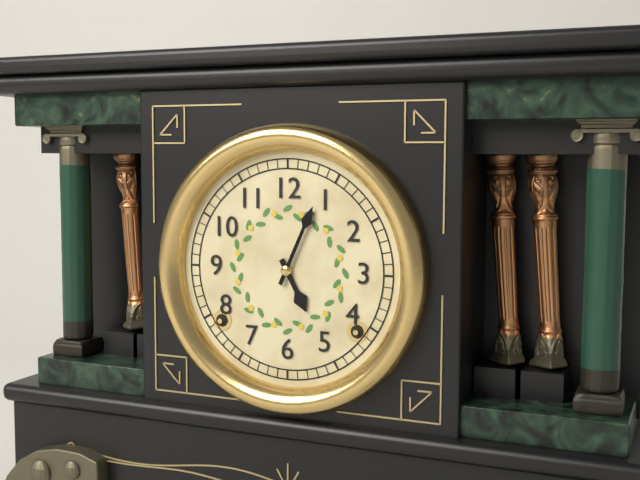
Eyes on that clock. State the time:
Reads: 5:04
